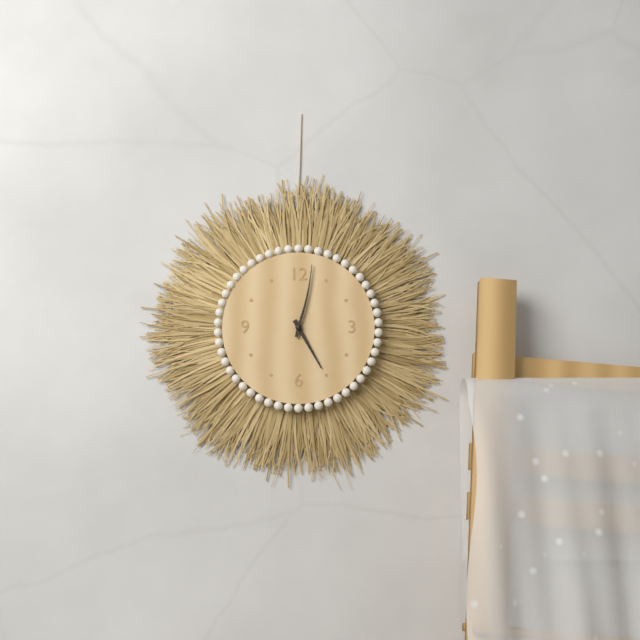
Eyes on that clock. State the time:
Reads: 5:02
